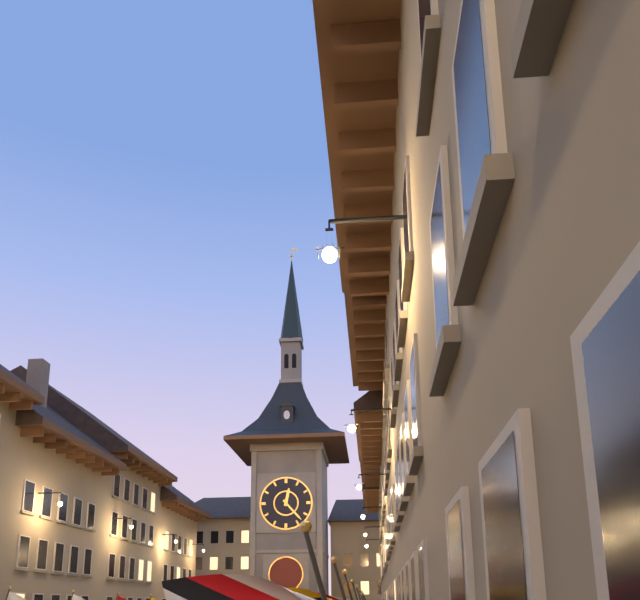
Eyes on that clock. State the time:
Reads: 12:23
